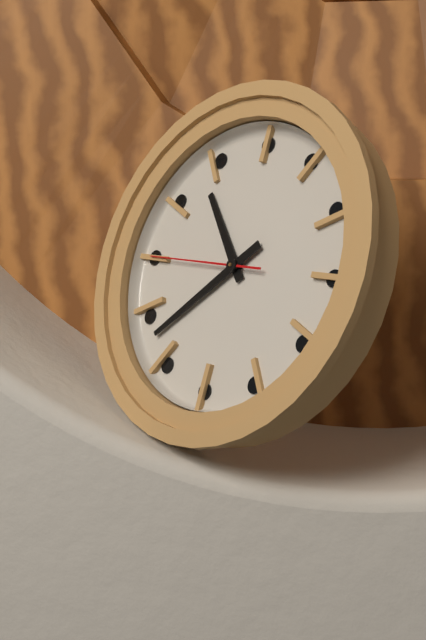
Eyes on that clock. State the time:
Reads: 10:38:45
